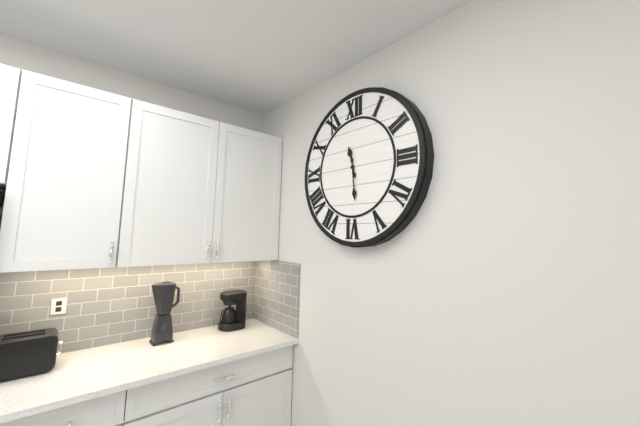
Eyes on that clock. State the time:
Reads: 11:29
